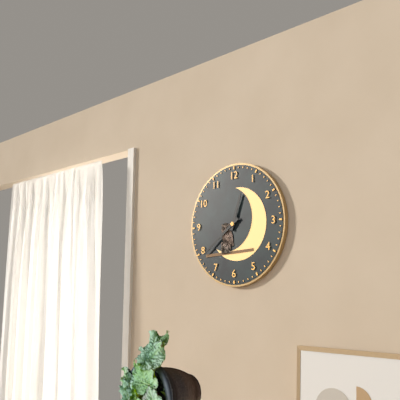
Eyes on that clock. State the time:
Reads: 12:39
